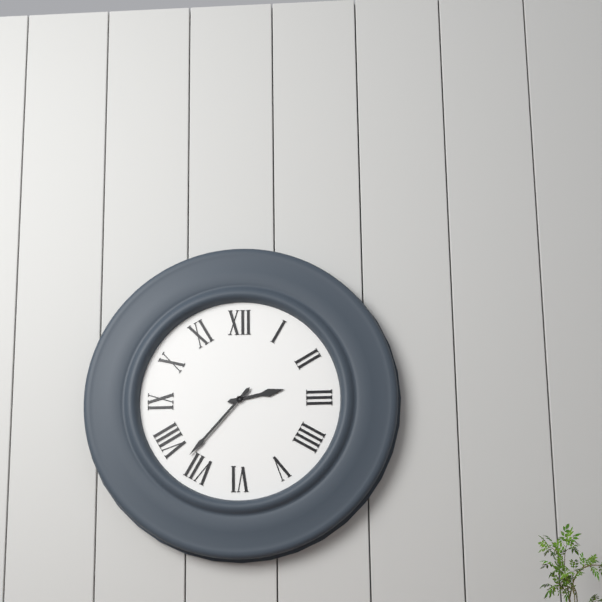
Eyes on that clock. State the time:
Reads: 2:37
